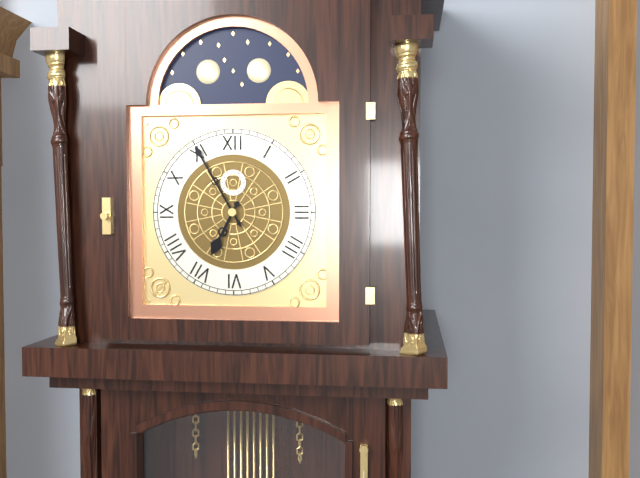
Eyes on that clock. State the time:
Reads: 6:55
